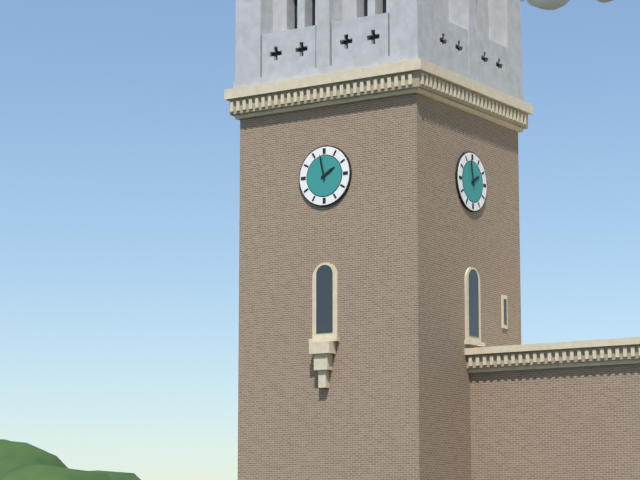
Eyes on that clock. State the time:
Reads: 1:58
